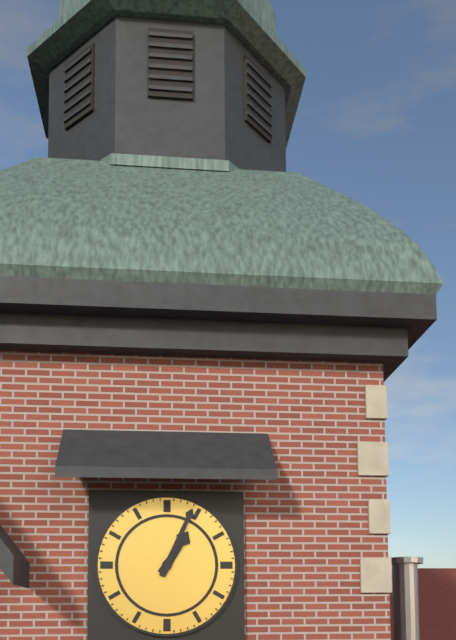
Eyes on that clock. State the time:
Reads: 1:04
